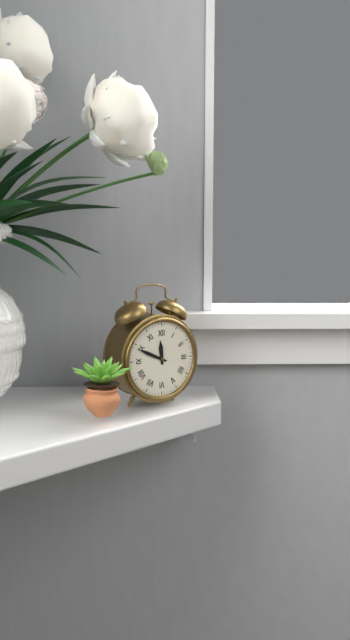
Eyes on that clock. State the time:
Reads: 11:49
